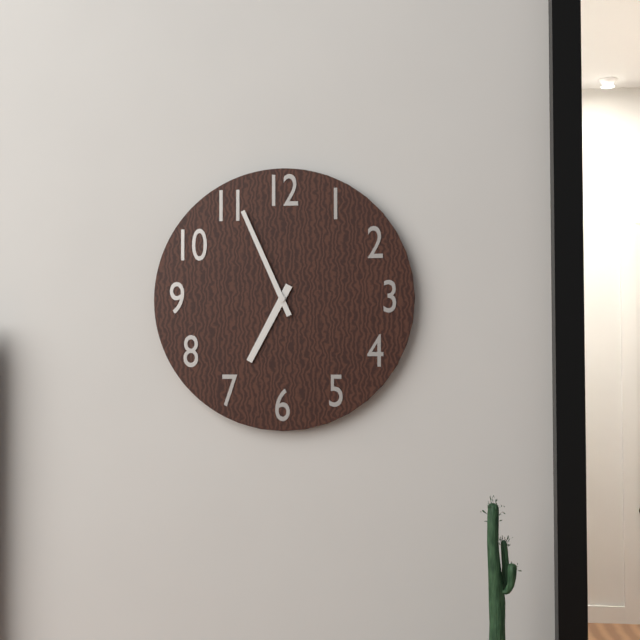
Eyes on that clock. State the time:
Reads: 6:56
